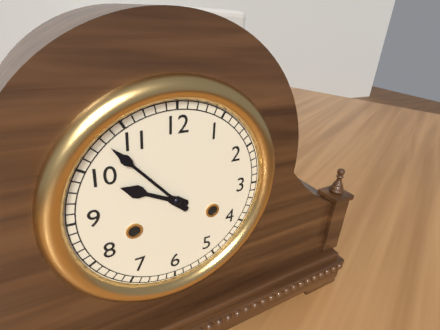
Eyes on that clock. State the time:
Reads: 9:53
